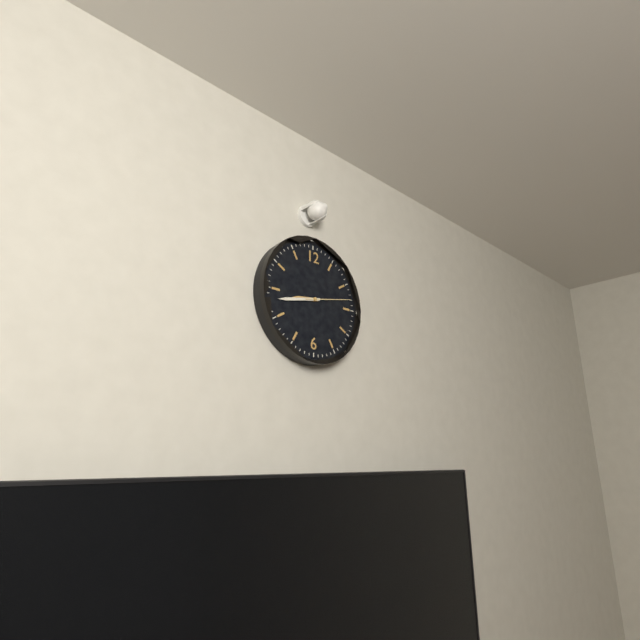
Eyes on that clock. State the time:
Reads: 8:43:13
